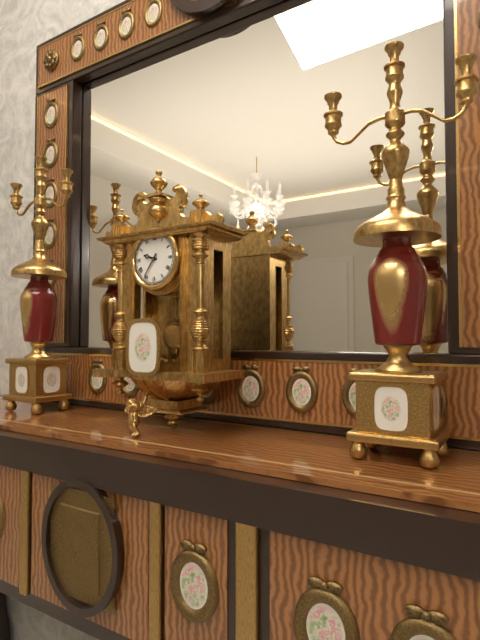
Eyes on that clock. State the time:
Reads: 9:36
